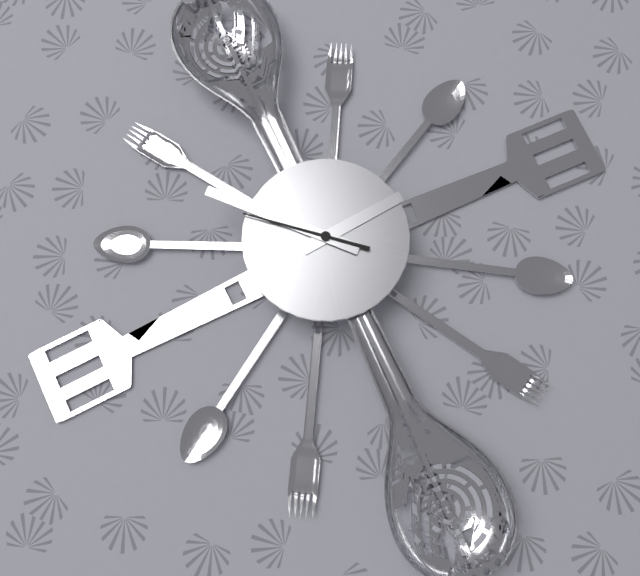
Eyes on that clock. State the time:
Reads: 2:53:52
